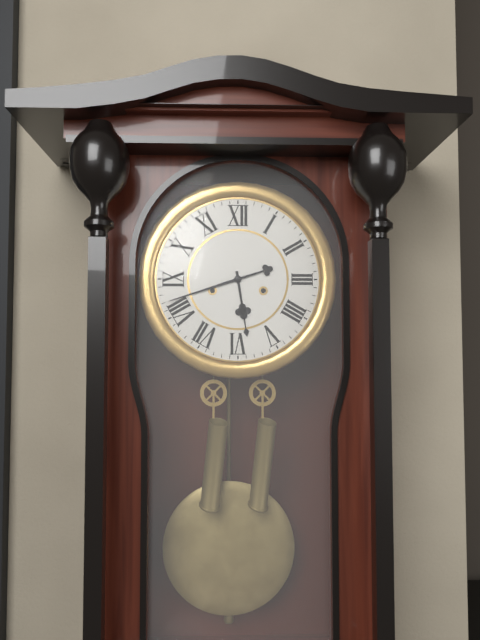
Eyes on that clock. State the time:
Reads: 5:42
